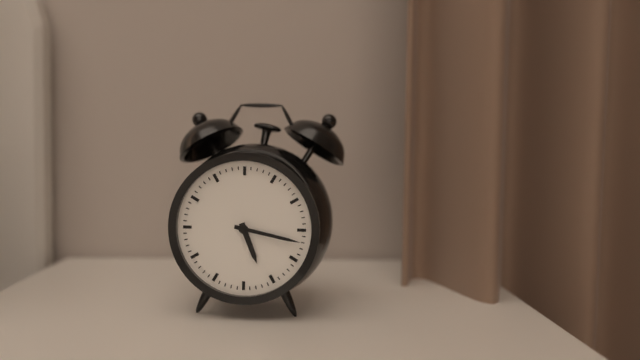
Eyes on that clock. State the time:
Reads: 5:17
